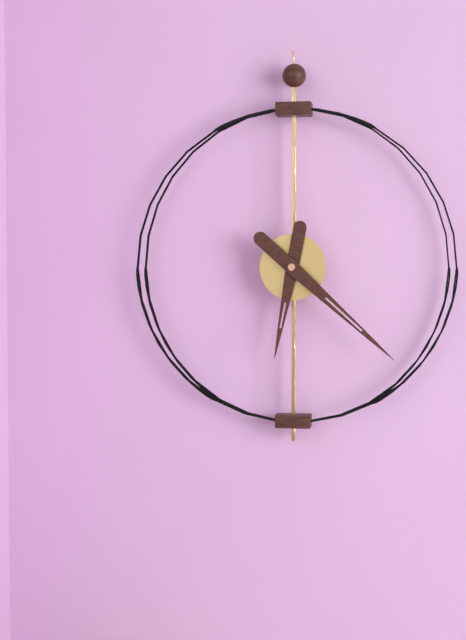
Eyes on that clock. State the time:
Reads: 6:22
